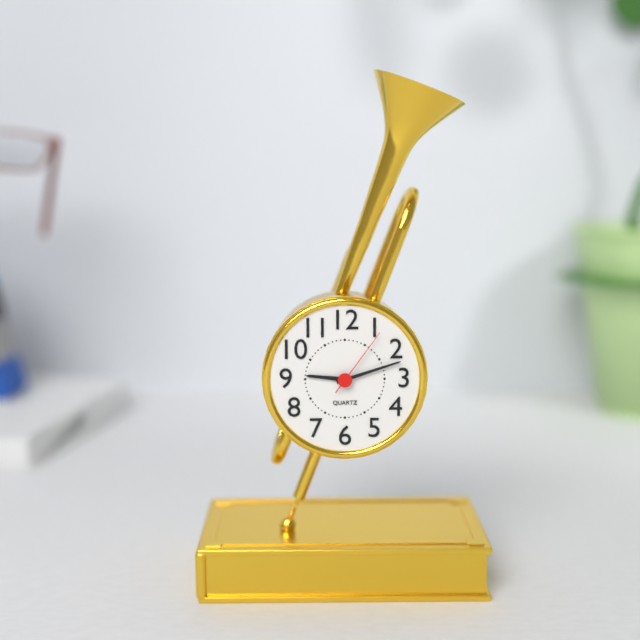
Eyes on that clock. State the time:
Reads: 9:12:06
